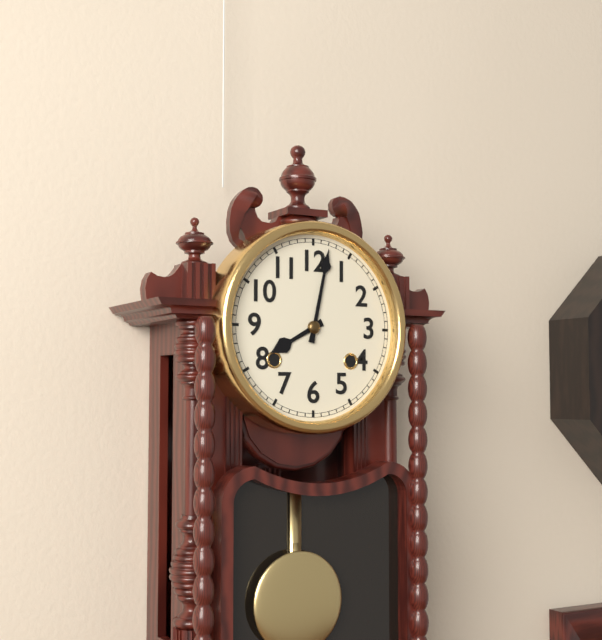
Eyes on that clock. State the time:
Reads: 8:02
